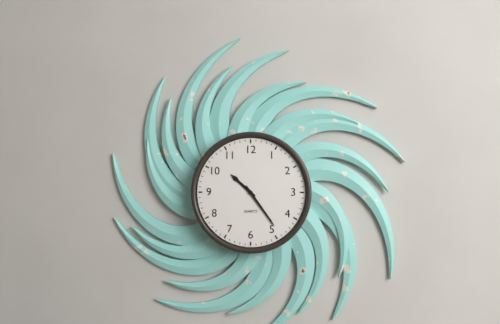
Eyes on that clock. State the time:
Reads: 10:24
